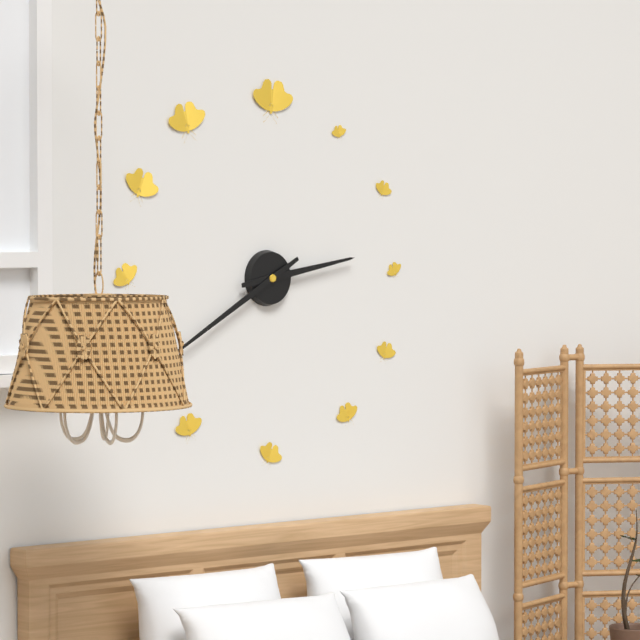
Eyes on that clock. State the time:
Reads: 2:40
